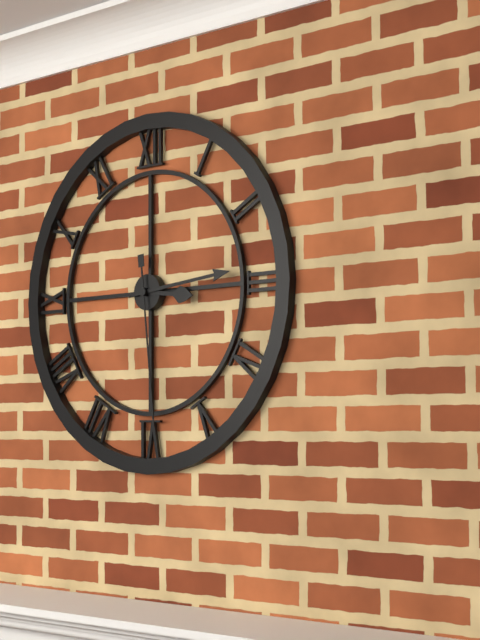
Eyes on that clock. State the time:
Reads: 3:14:29
